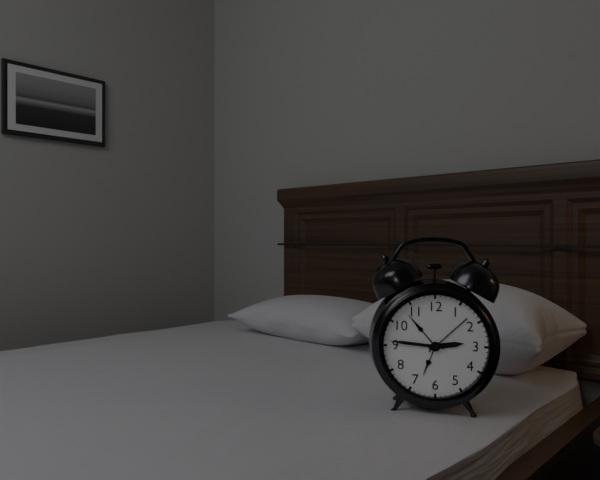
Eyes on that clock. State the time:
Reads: 2:46
